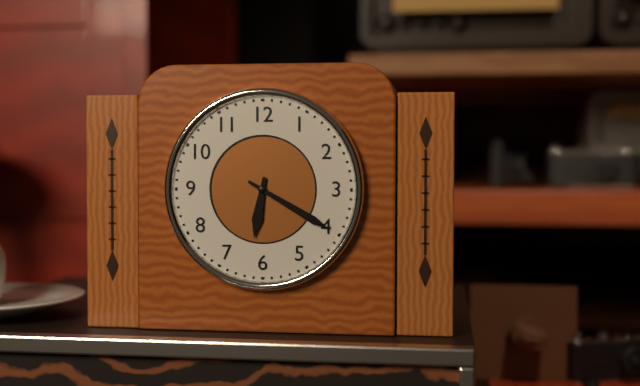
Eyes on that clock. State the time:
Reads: 6:20
